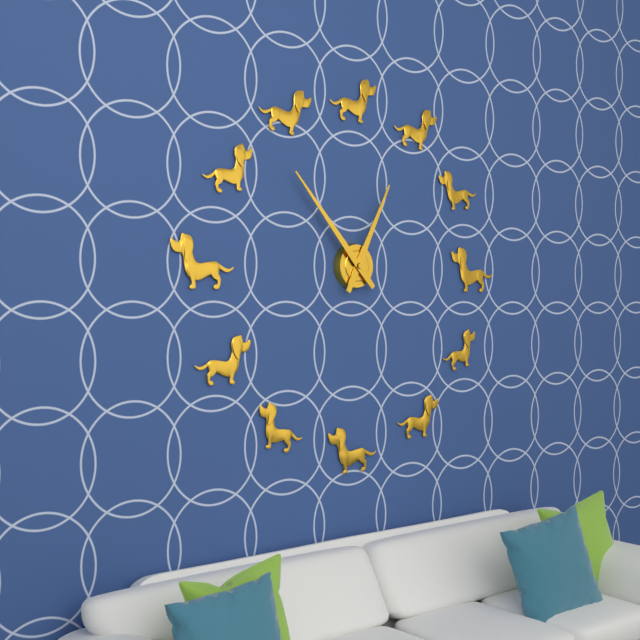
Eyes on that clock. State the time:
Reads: 12:53
